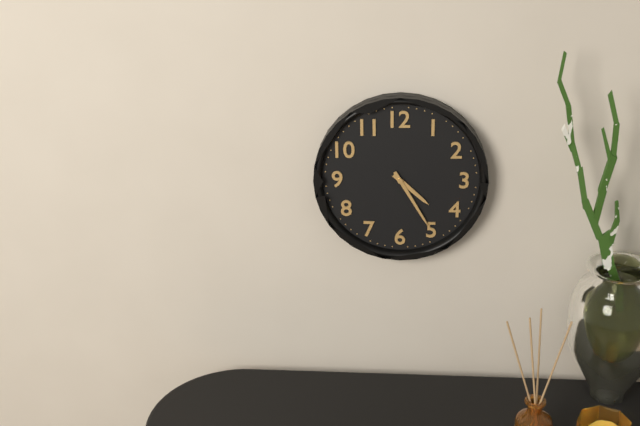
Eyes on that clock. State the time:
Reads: 4:25
